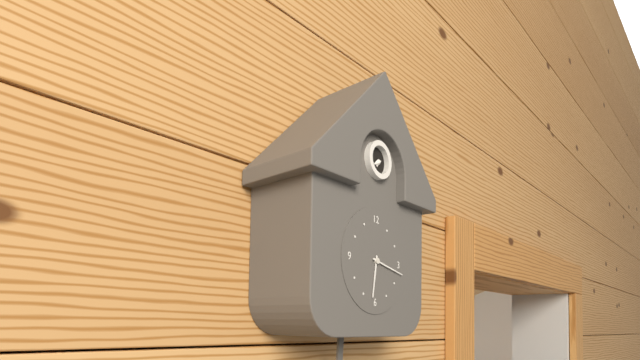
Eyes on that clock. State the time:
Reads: 6:17
